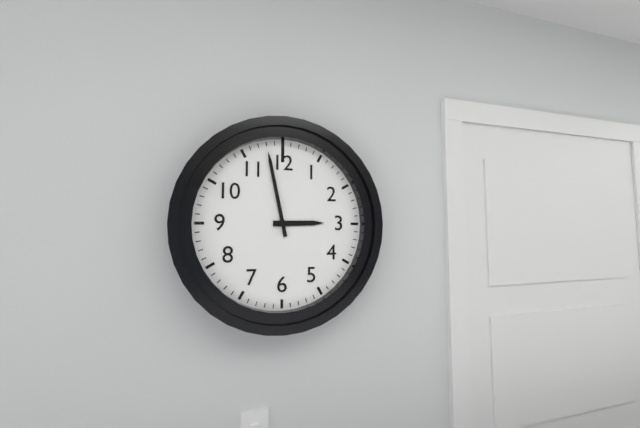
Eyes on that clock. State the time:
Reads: 2:58
